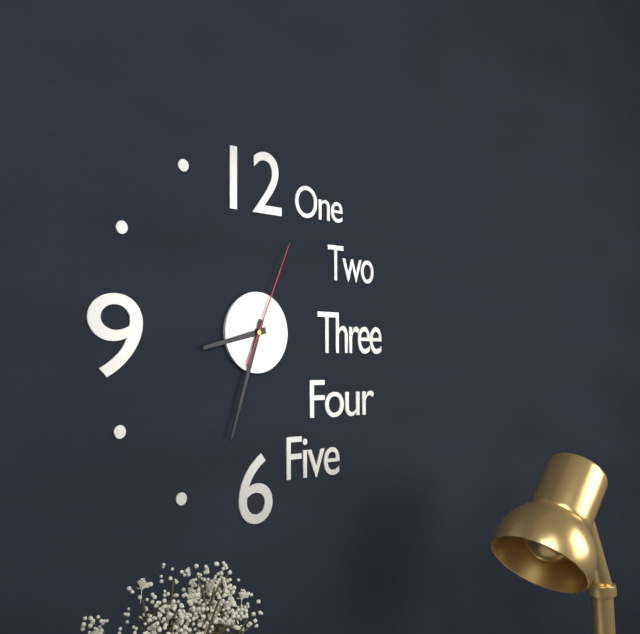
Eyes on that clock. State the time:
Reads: 8:33:04
